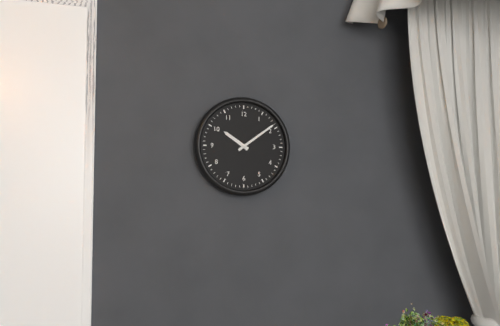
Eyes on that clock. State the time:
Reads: 10:09
